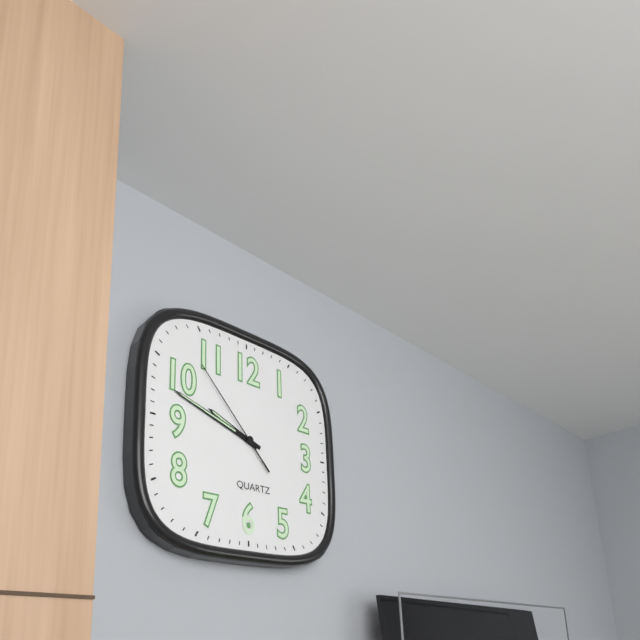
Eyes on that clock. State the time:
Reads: 9:48:53
